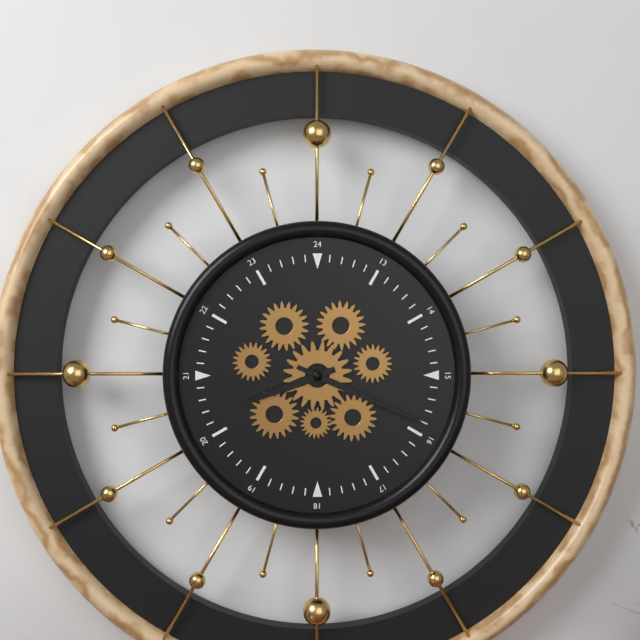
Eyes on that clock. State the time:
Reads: 8:19
